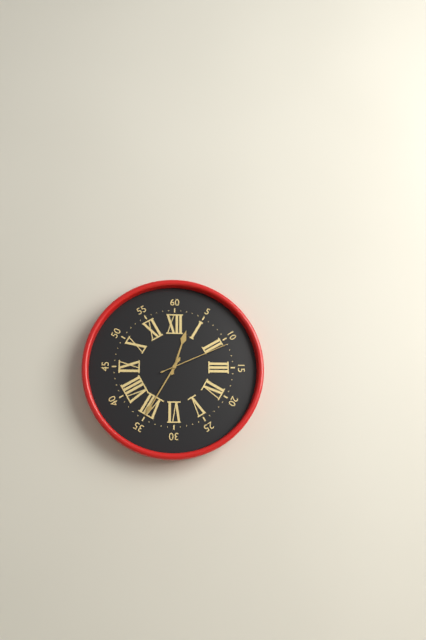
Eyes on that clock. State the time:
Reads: 12:35:11
